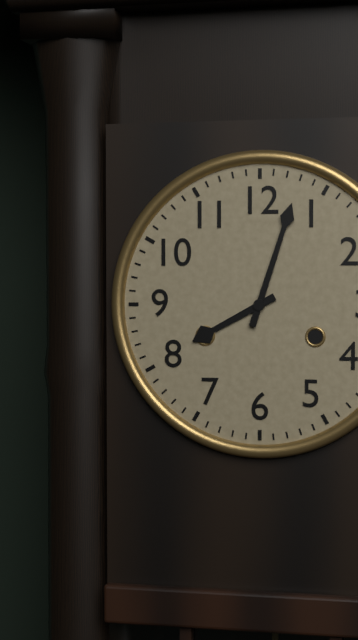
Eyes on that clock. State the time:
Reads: 8:03
